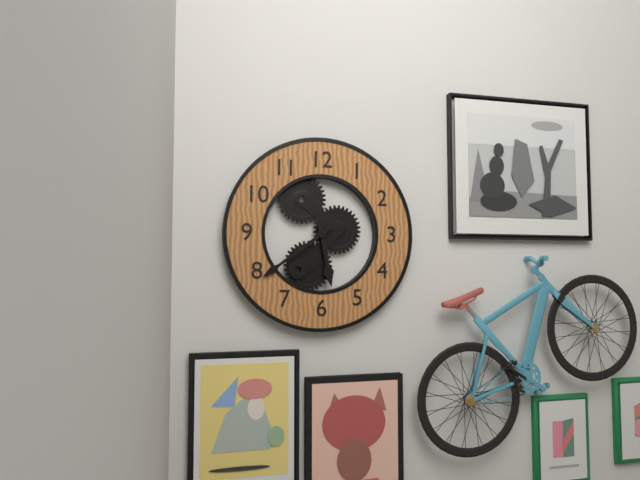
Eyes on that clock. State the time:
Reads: 5:39
